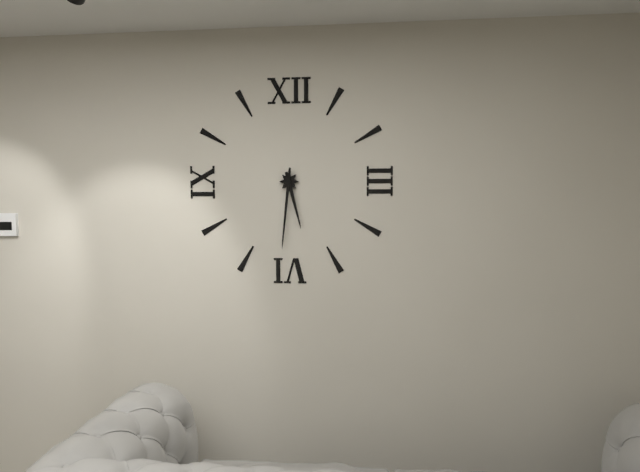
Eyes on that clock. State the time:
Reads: 5:31
